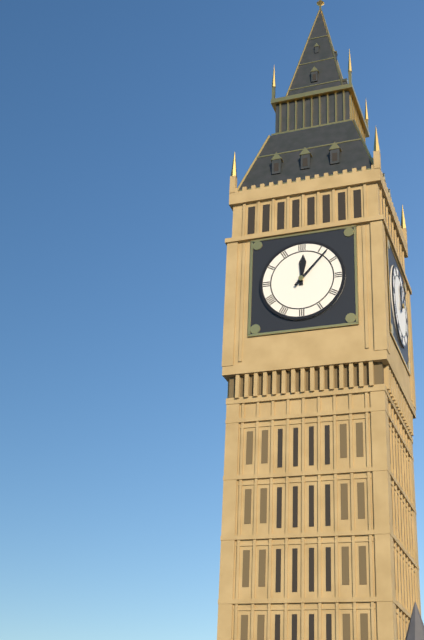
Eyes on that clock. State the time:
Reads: 12:07
